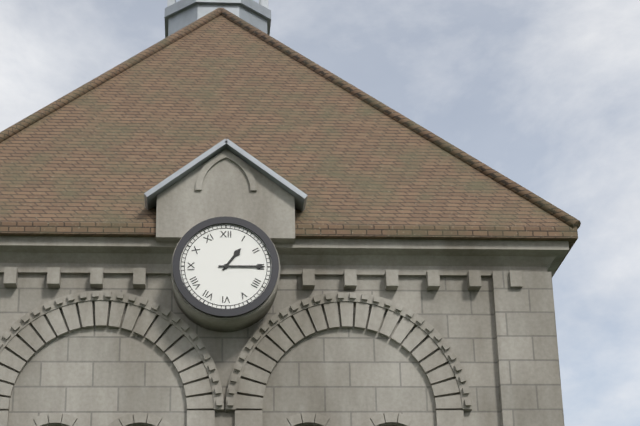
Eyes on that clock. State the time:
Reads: 1:15
